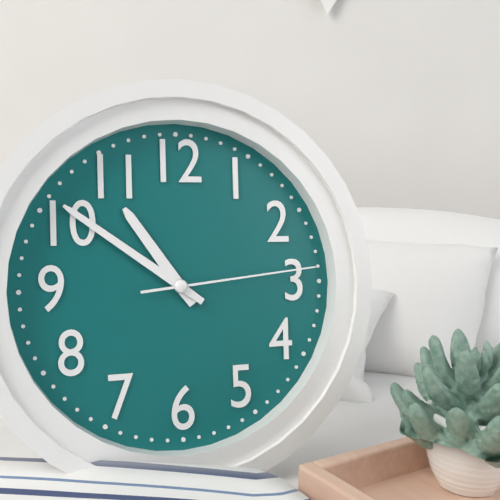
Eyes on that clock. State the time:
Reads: 10:51:14
